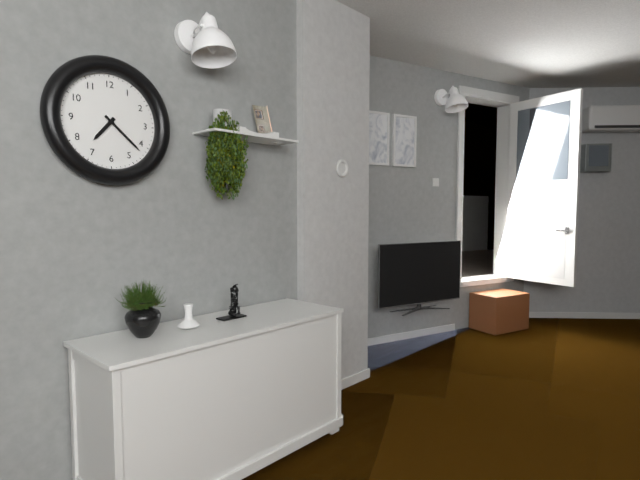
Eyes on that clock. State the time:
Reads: 7:22
